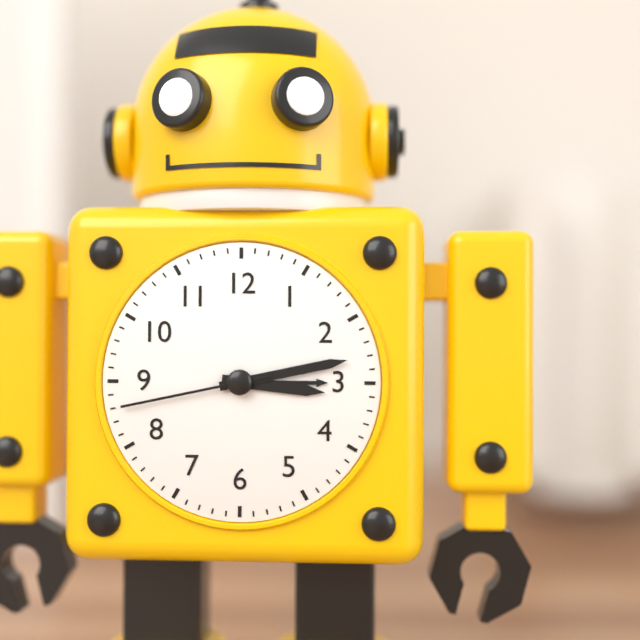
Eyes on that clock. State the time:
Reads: 3:13:43
